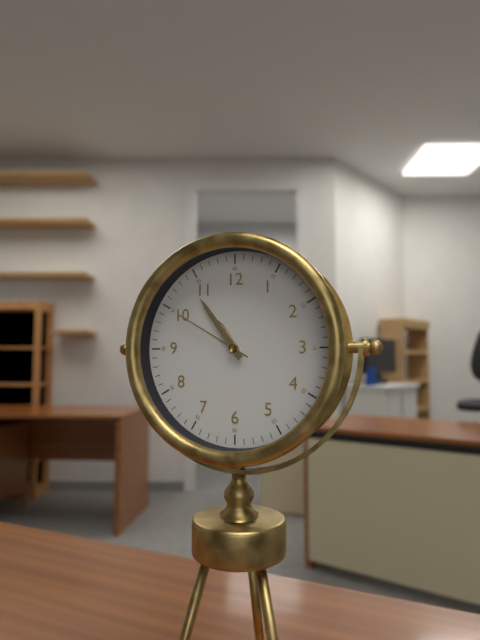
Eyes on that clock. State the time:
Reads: 10:54:50
